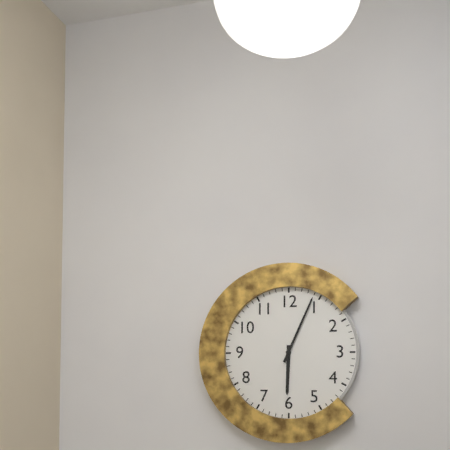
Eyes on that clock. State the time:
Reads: 6:04
